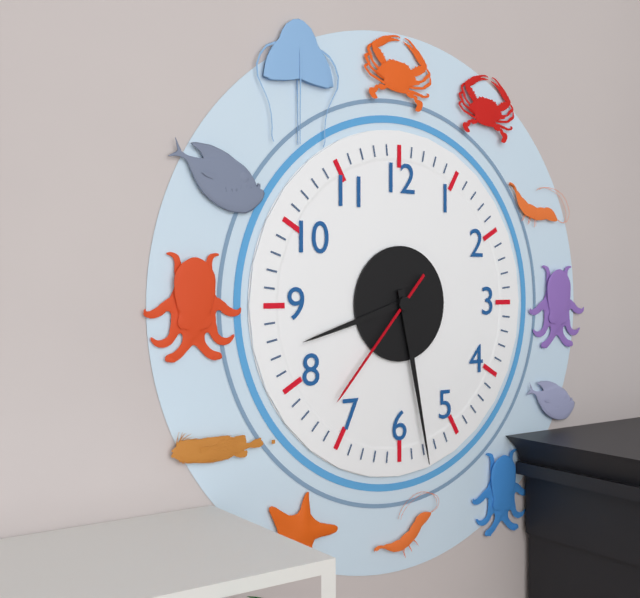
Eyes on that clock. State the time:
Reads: 8:28:37
